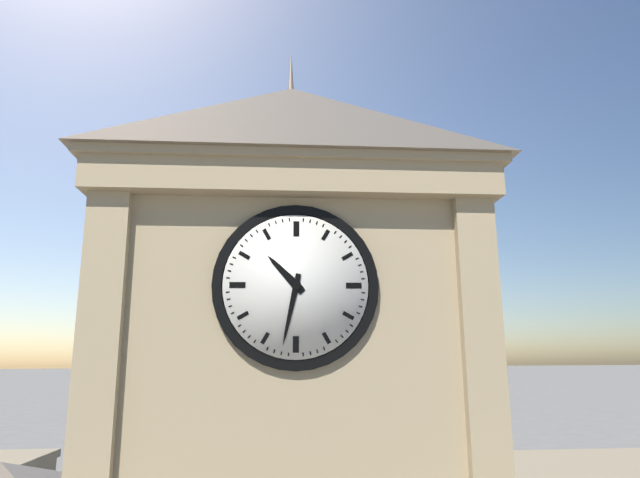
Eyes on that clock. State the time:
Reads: 10:32
